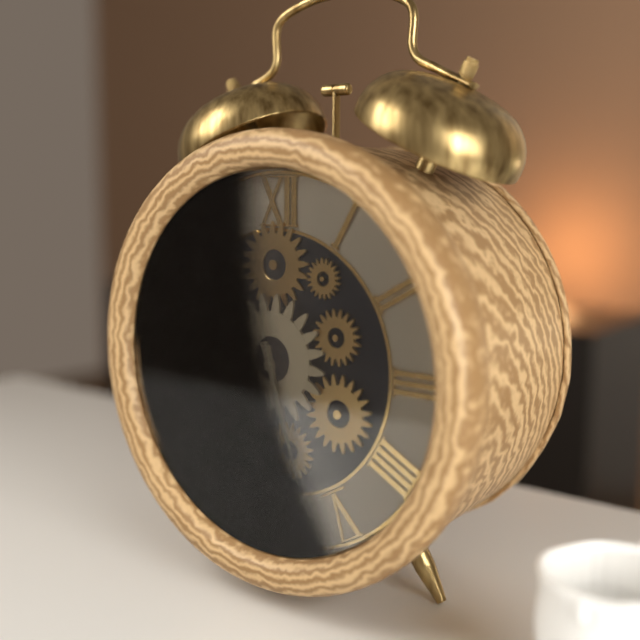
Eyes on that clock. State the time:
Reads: 5:27
